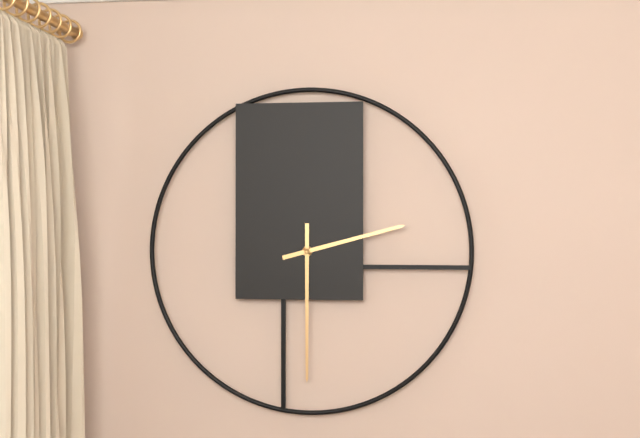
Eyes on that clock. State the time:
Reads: 2:30
